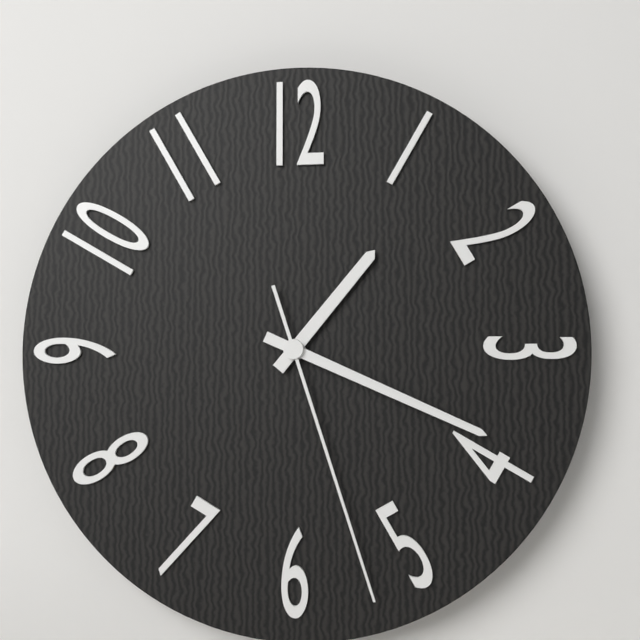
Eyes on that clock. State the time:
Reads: 1:19:27
